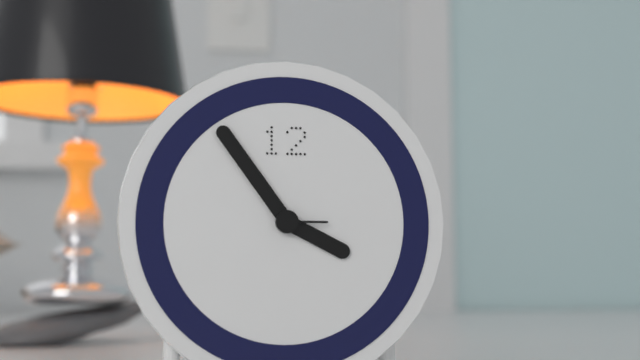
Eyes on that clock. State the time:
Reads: 3:54:15
